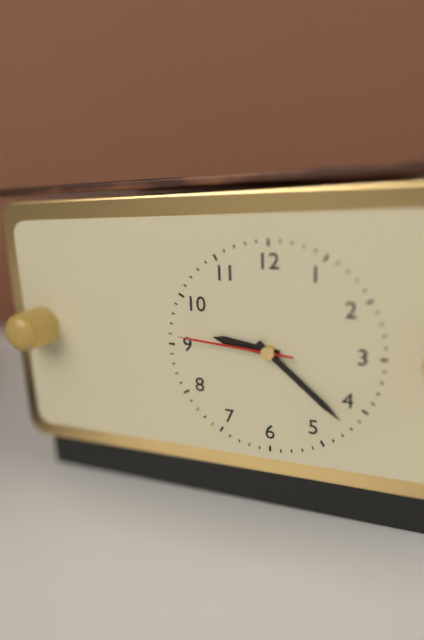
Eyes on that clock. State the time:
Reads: 9:22:46
